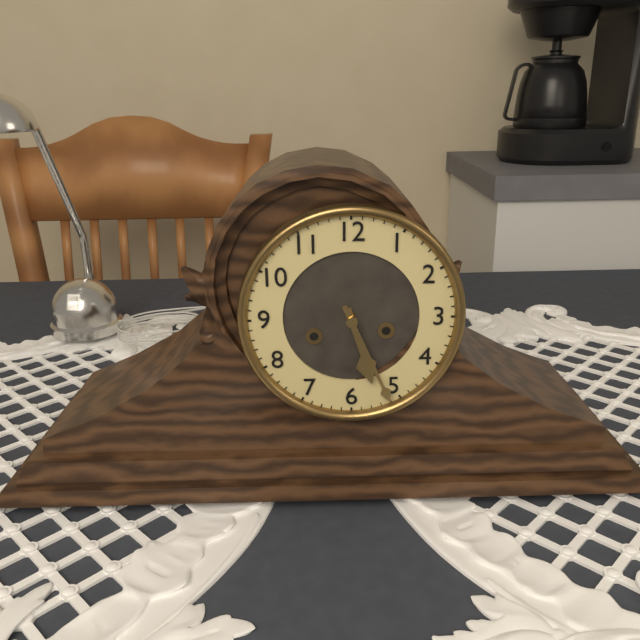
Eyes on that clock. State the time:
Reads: 5:26
